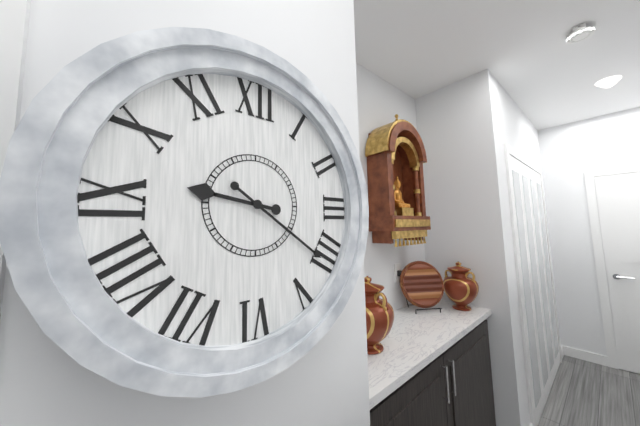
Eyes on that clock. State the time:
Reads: 9:21
